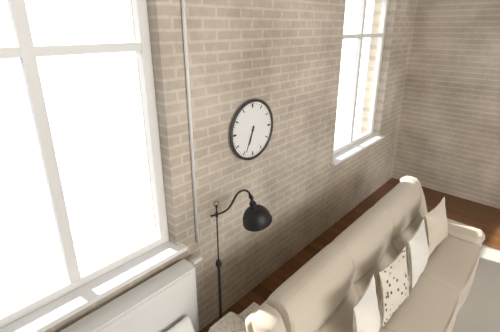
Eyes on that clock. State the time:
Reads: 6:34
